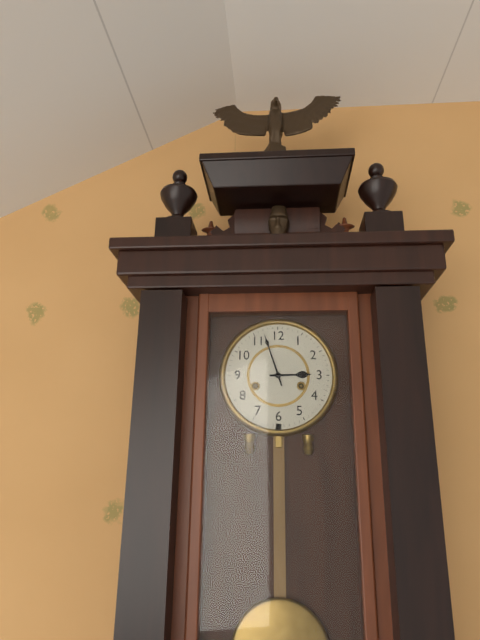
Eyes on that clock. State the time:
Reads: 2:57
